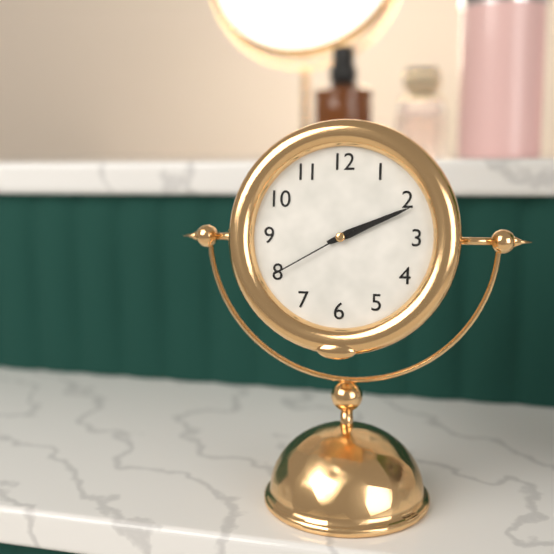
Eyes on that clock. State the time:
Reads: 2:11:40
